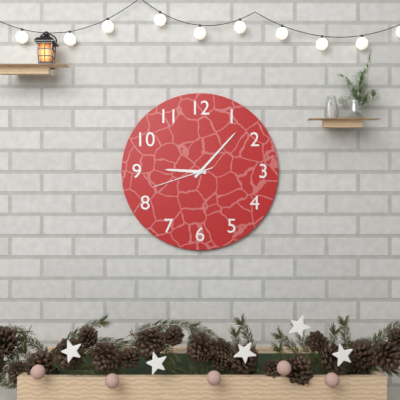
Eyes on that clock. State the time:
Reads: 9:07:42
